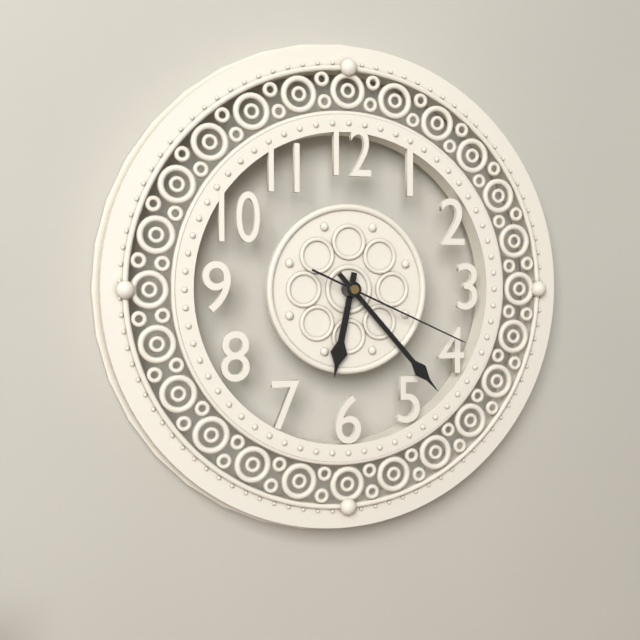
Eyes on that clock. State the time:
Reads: 6:23:19
